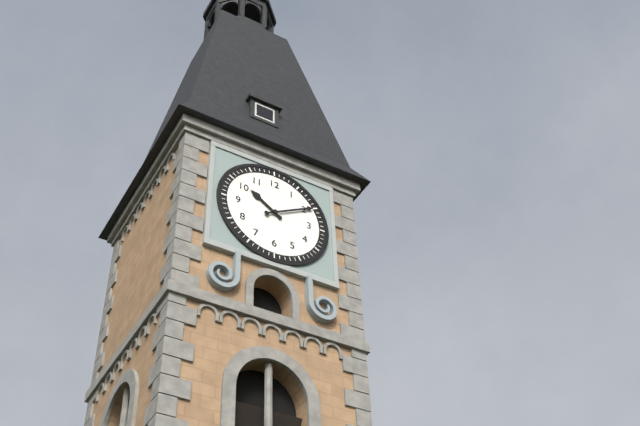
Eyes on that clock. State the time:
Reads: 10:10
